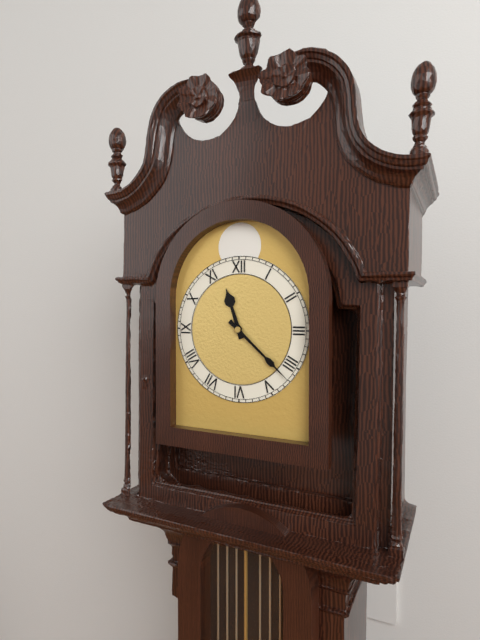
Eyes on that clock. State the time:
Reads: 11:22
